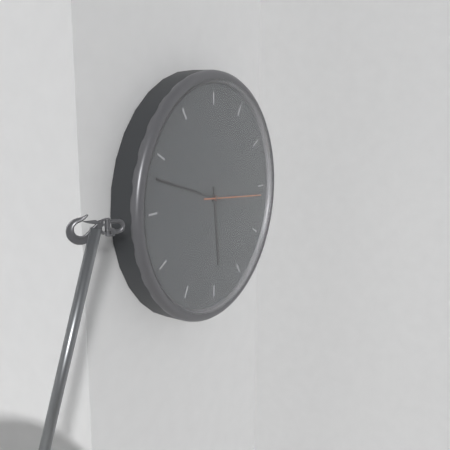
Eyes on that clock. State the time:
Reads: 5:48:16
